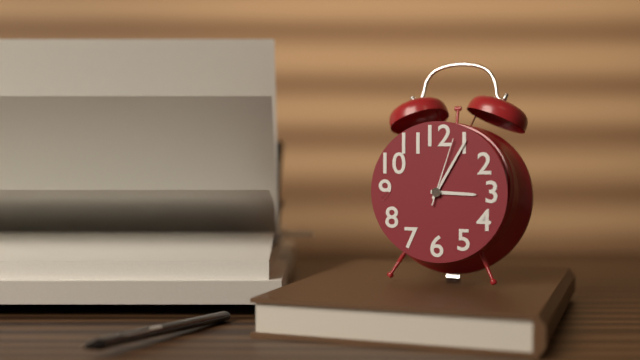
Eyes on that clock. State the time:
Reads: 3:05:03
